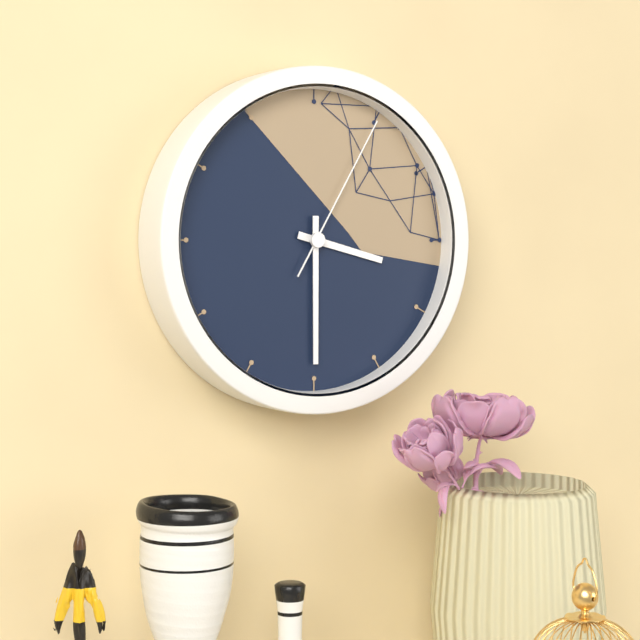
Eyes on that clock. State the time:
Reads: 3:30:05
